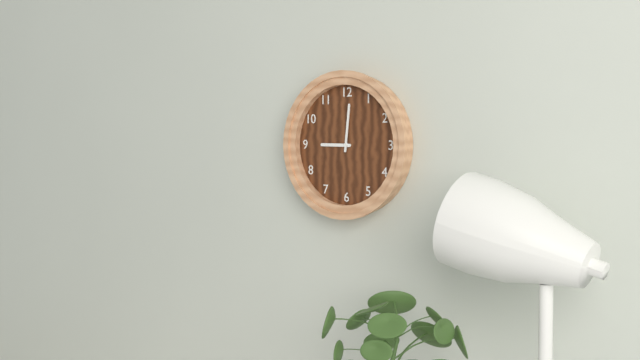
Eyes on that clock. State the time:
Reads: 9:01
